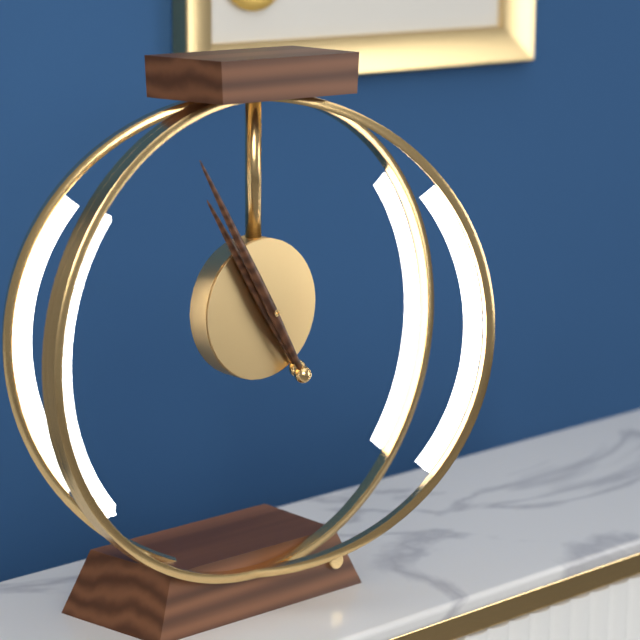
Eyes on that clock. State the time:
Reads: 10:55
